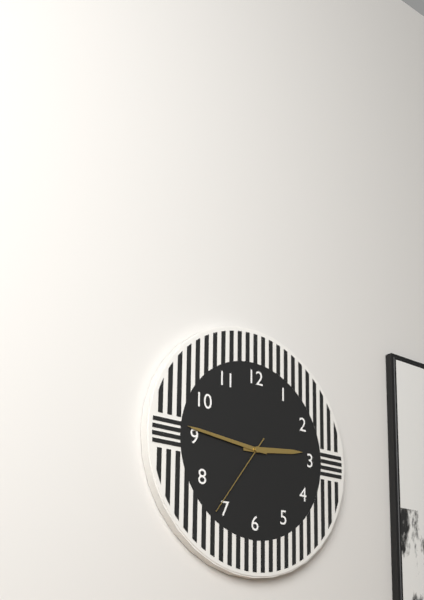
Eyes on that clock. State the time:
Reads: 2:46:36
